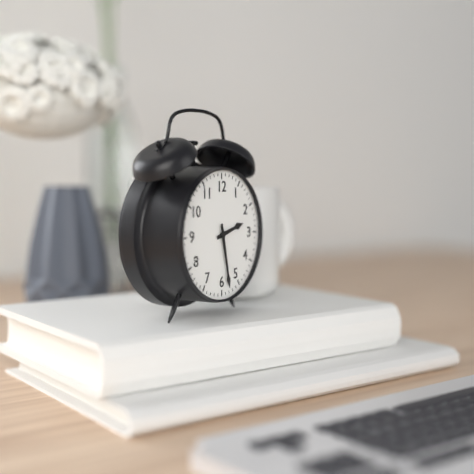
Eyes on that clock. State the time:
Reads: 2:28
